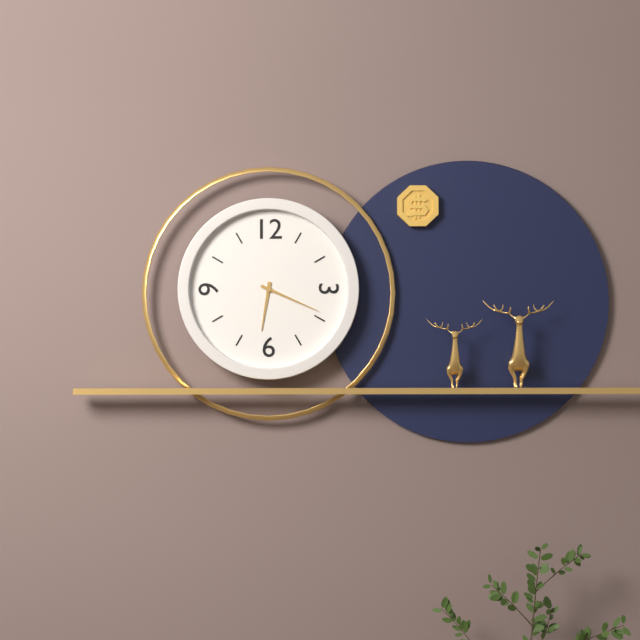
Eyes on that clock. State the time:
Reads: 6:19
